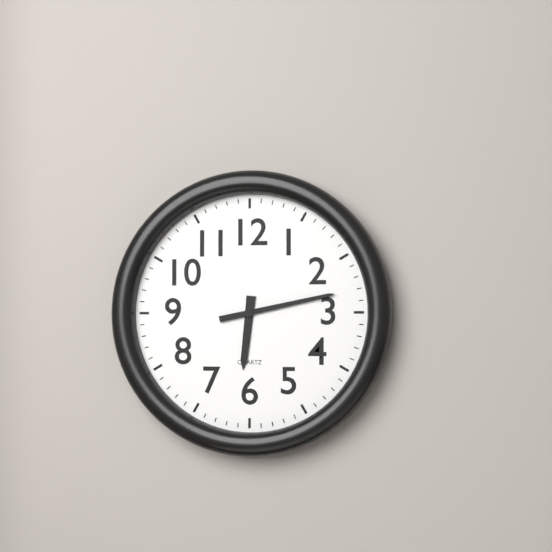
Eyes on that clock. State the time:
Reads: 6:13
